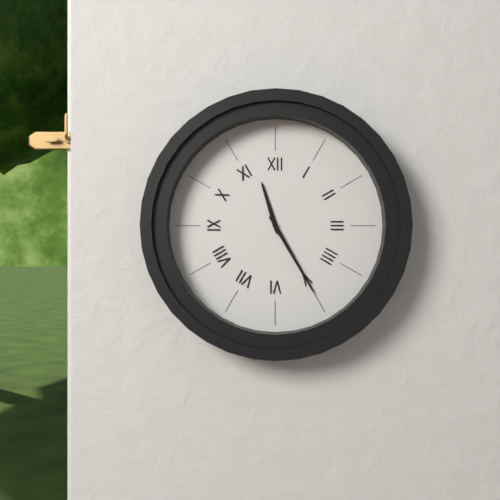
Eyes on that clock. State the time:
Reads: 11:25
